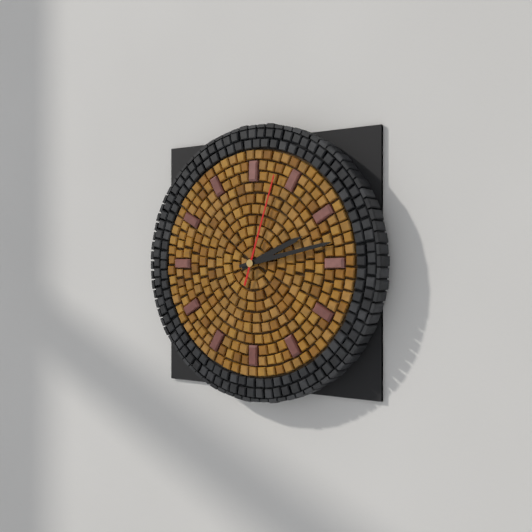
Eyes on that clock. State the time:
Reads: 2:13:03
